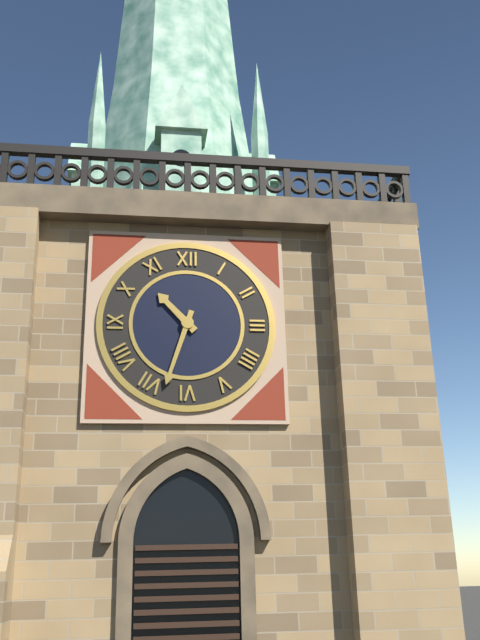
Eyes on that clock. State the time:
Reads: 10:33
